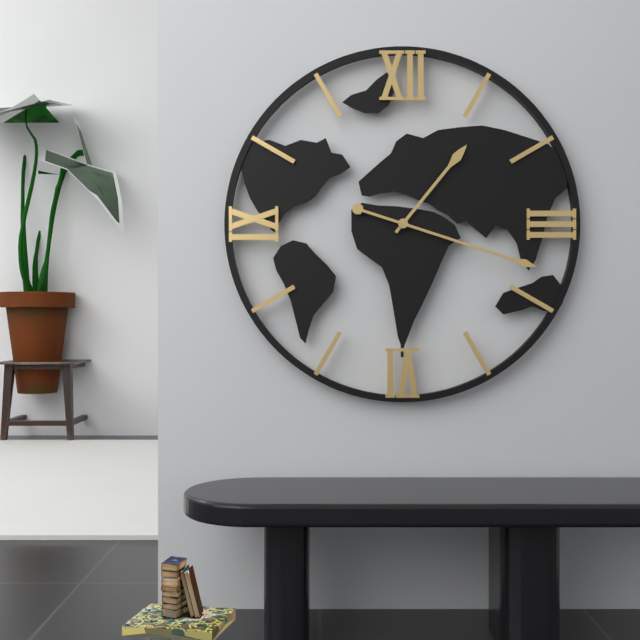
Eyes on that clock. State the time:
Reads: 1:18
